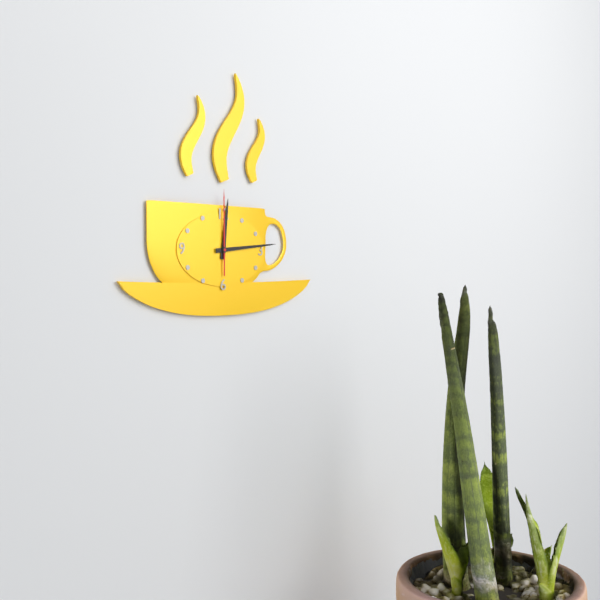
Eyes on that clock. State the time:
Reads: 12:14:00
